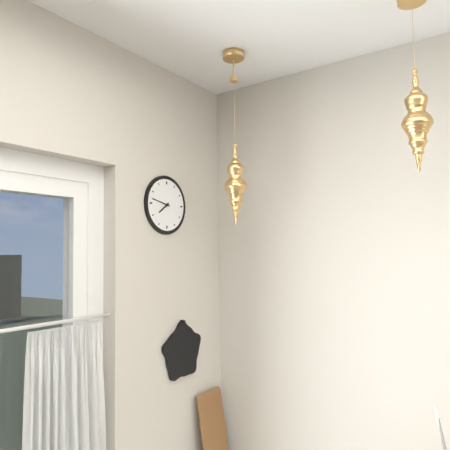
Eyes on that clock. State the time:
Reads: 7:47
